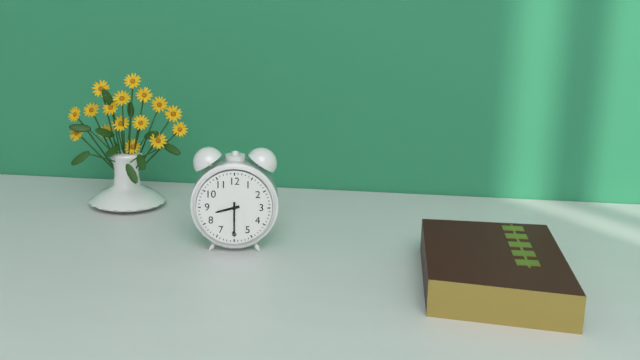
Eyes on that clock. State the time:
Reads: 8:30
